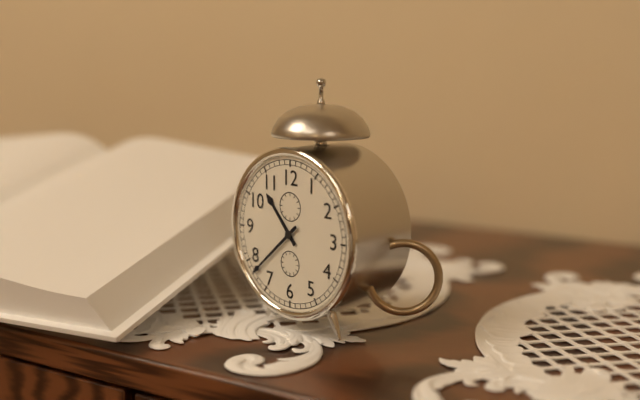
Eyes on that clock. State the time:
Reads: 10:38
